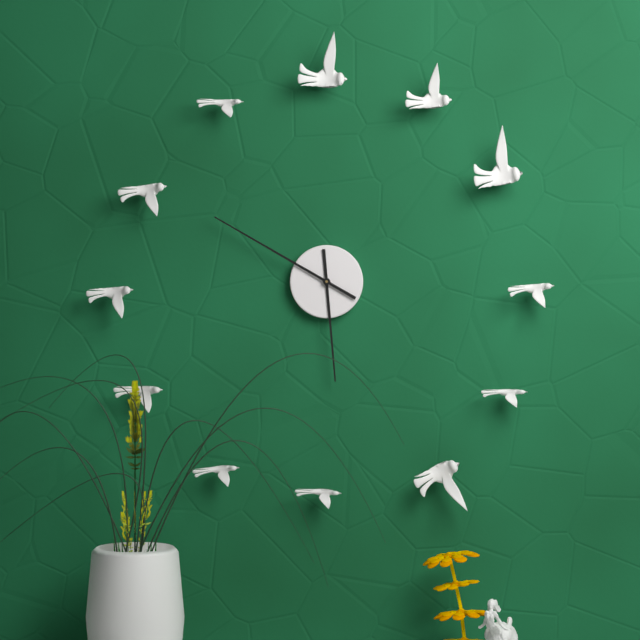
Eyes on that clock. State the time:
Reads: 5:50
